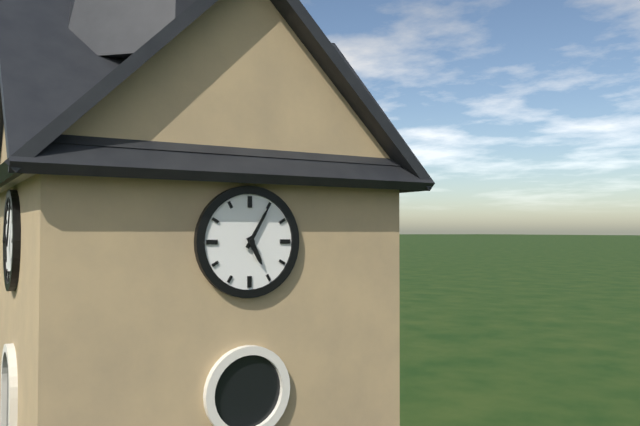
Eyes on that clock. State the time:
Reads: 5:05
